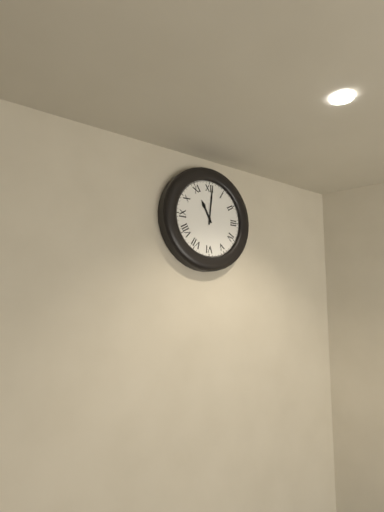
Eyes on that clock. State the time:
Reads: 11:01
